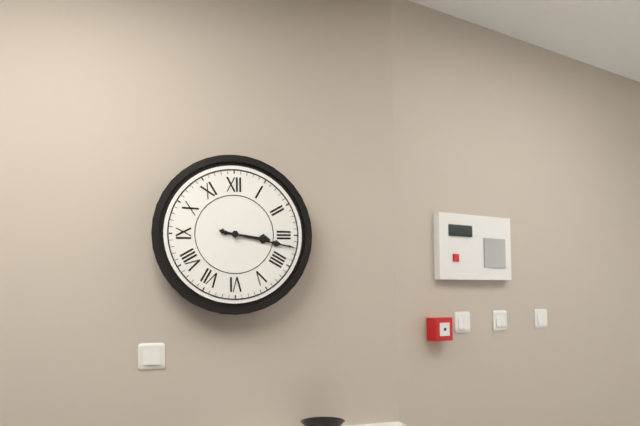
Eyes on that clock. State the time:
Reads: 3:17
